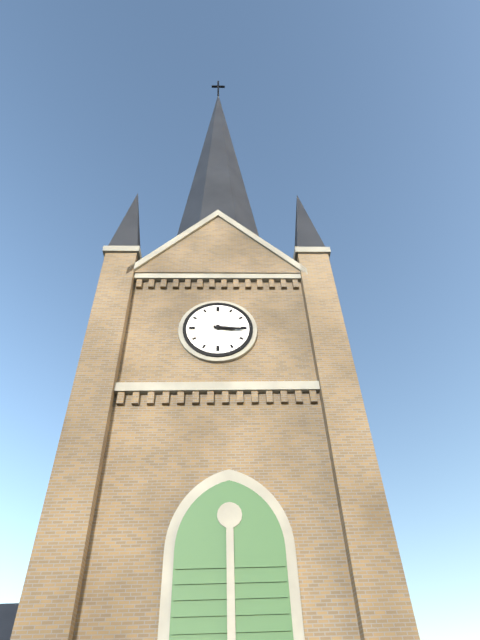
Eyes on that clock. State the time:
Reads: 3:16
